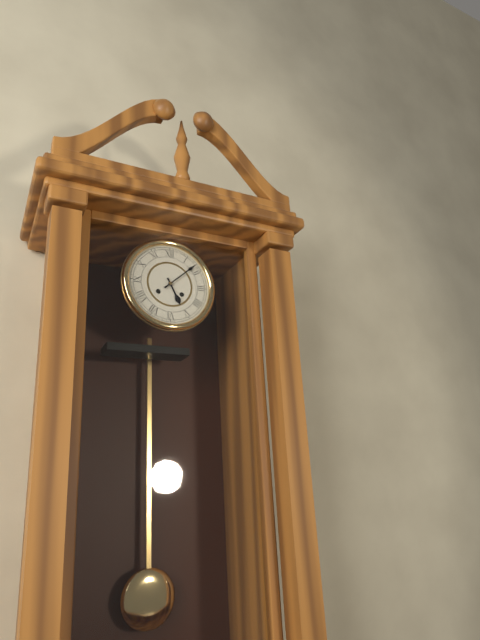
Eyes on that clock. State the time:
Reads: 5:08
